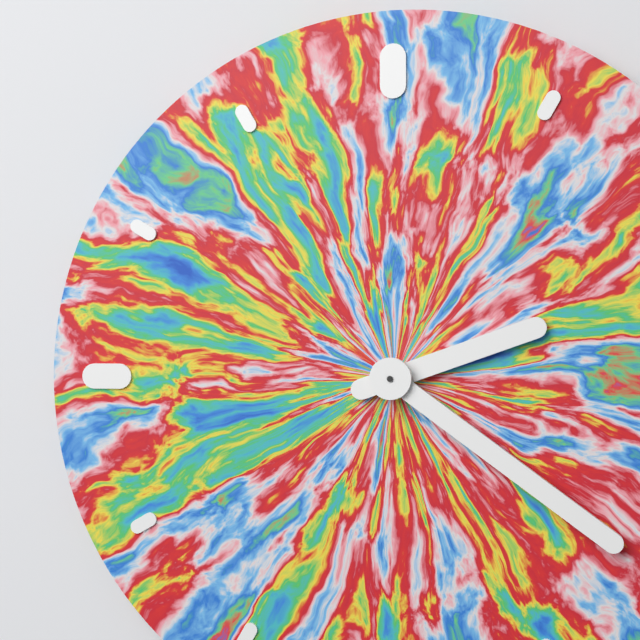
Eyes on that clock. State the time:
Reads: 2:21
